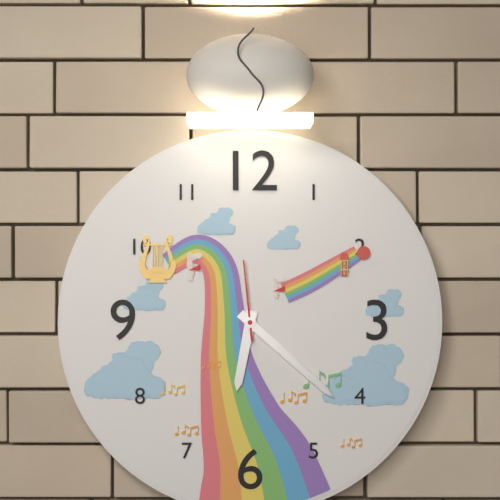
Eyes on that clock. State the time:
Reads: 6:22:59
